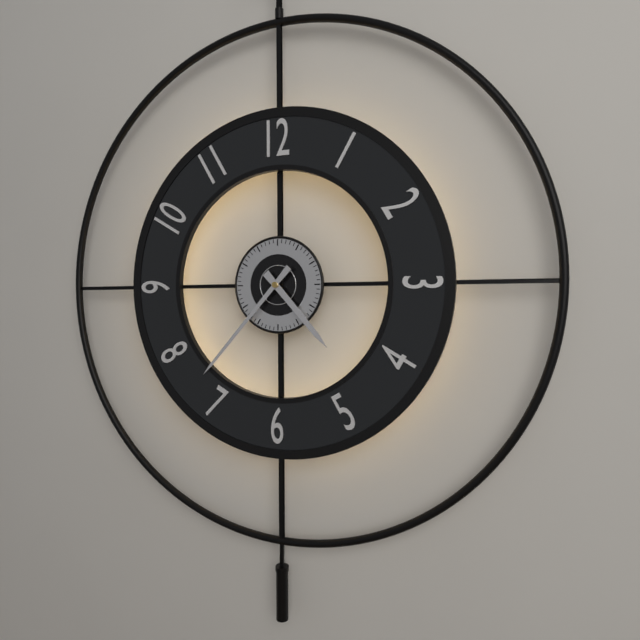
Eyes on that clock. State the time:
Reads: 4:37
